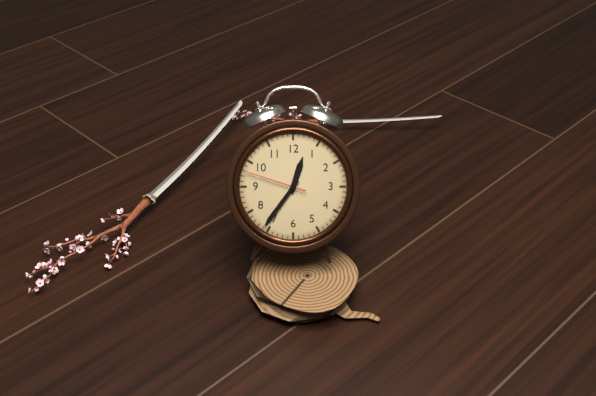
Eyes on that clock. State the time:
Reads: 12:36:48
